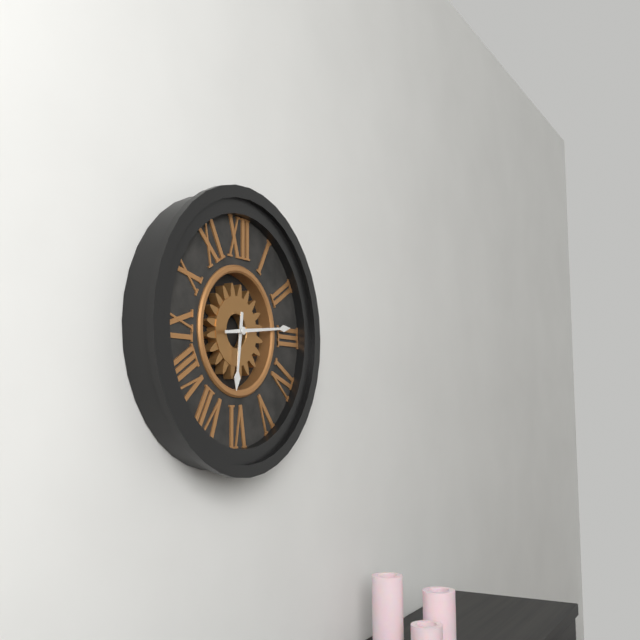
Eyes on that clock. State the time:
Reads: 6:14
